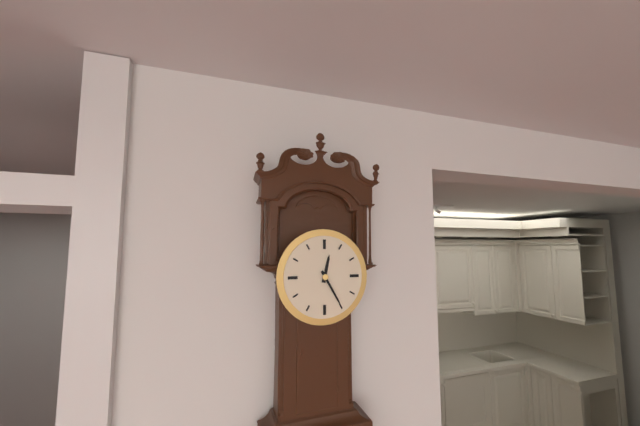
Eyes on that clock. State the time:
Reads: 12:25
